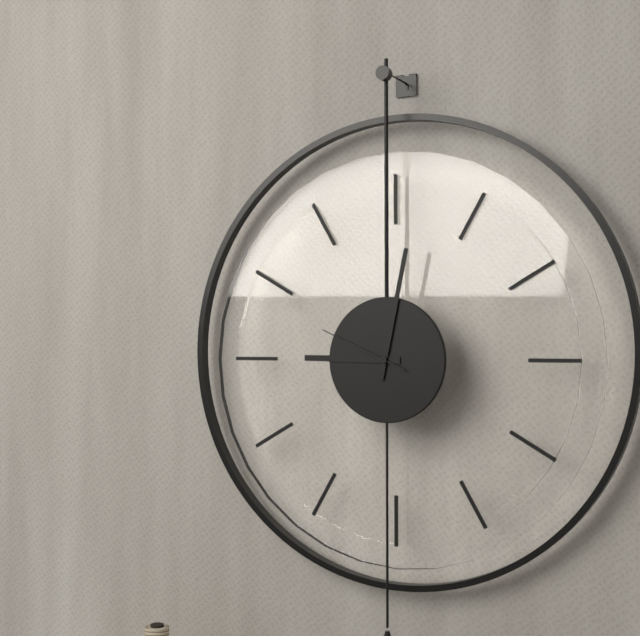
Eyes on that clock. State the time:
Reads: 9:02:49
